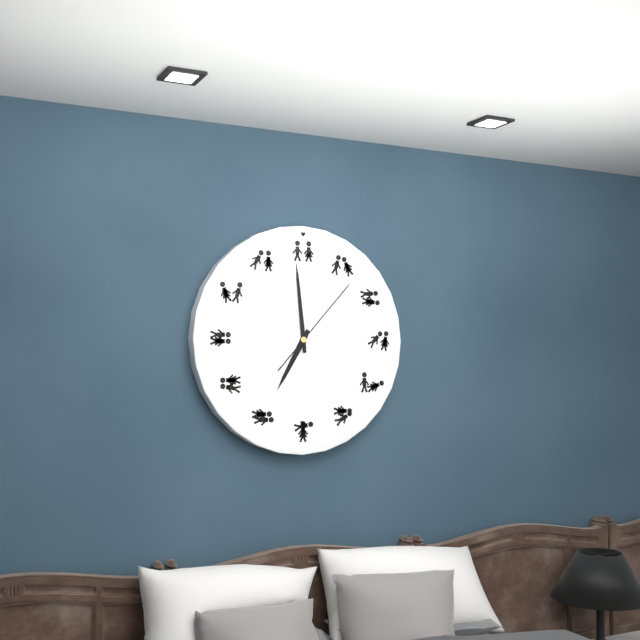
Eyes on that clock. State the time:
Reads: 6:59:07
